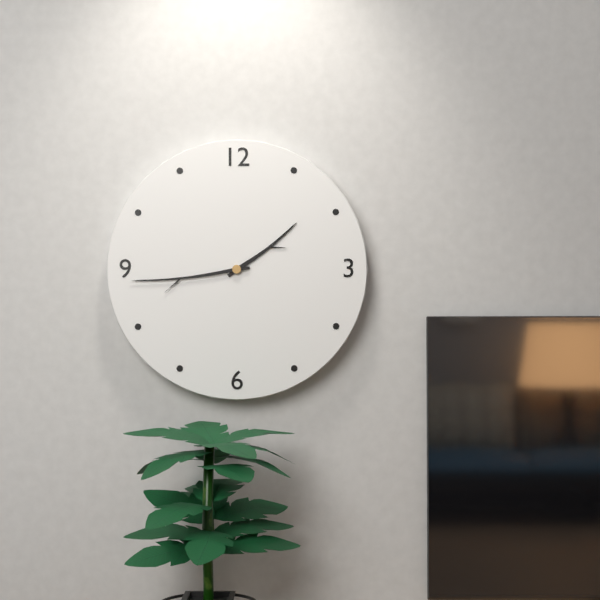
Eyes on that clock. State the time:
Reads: 1:44
